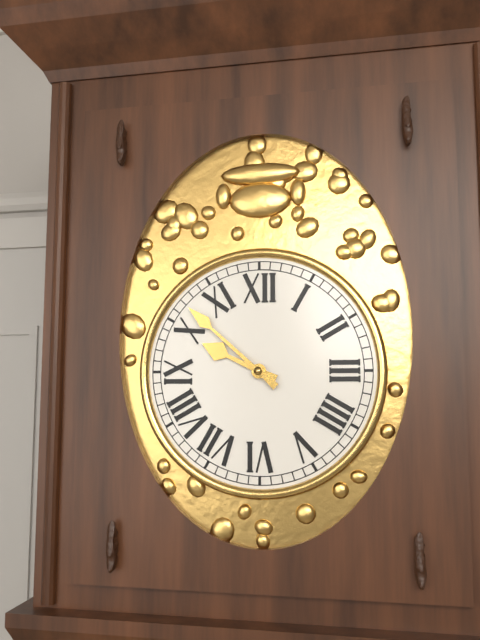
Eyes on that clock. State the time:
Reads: 9:52
